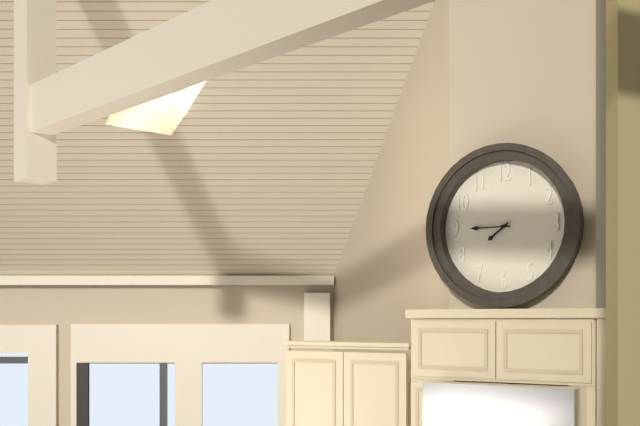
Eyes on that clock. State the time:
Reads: 7:45
